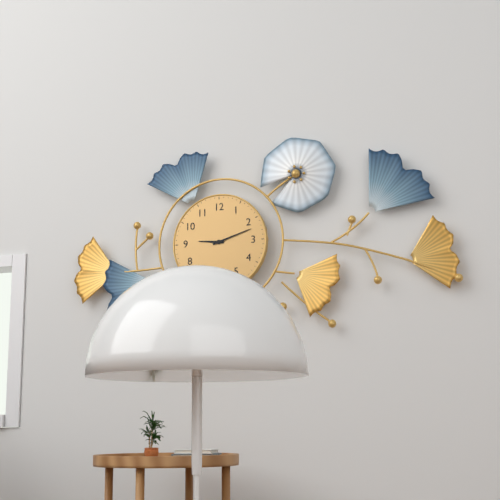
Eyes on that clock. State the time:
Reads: 9:12
